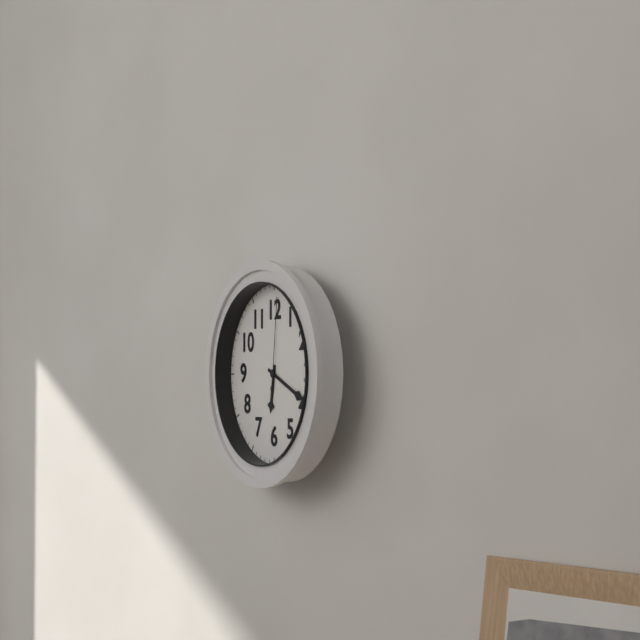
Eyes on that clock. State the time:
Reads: 6:19:01
